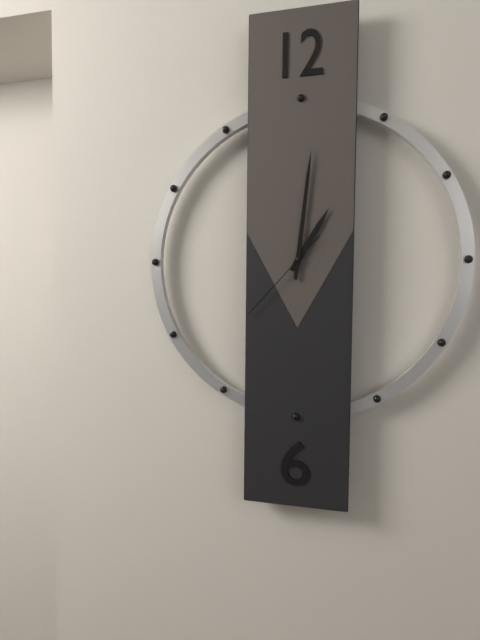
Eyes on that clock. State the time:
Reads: 1:01:37
